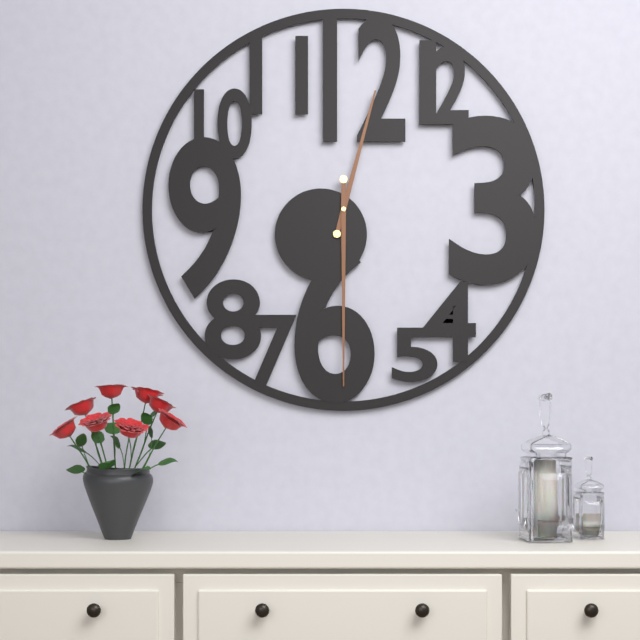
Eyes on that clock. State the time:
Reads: 12:30
